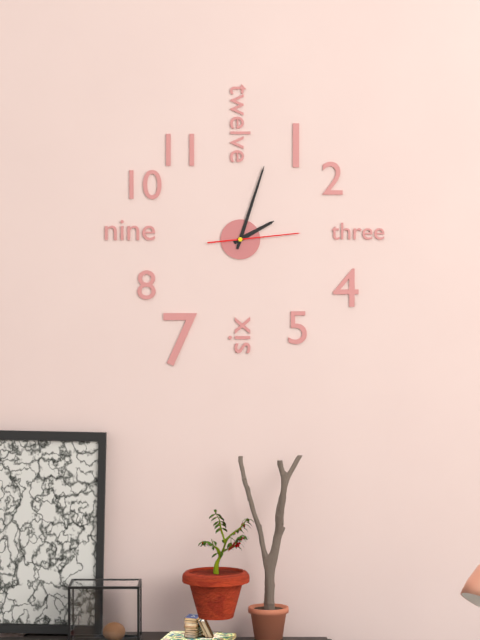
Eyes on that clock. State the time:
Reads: 2:03:14
